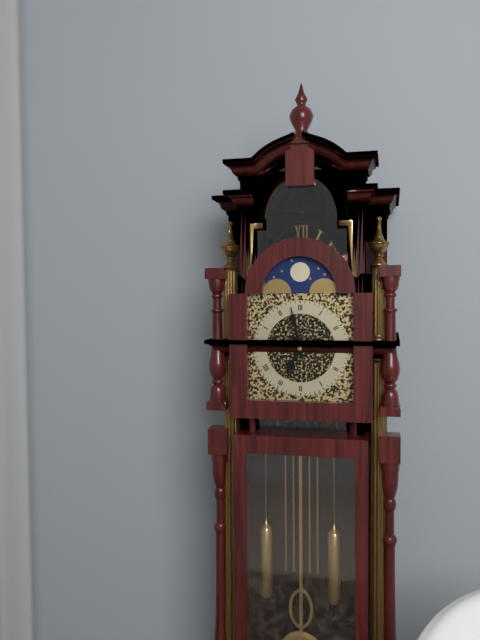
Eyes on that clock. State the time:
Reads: 6:58
